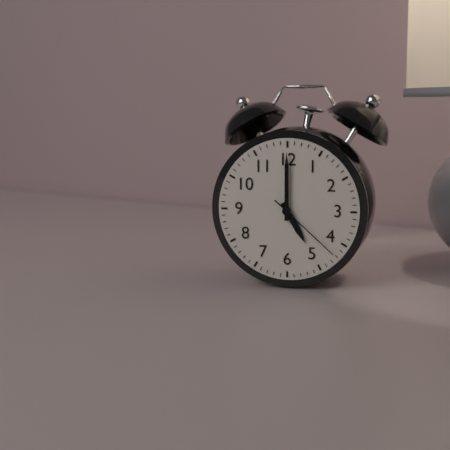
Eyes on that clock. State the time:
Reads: 5:00:22
